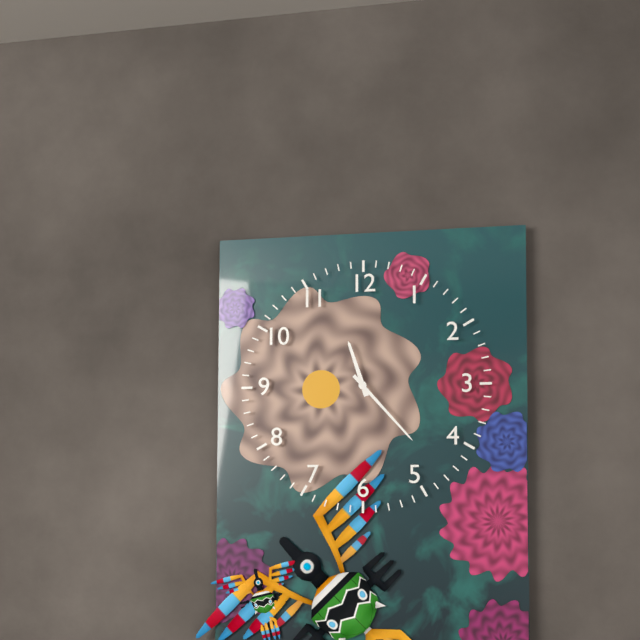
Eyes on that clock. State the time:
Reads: 11:23
